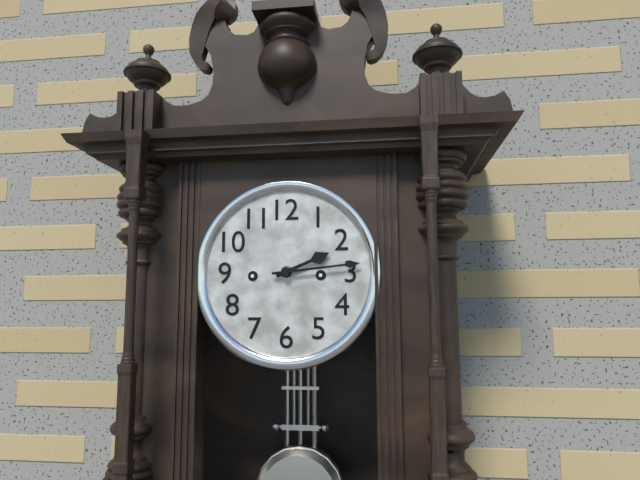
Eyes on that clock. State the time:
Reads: 2:14
